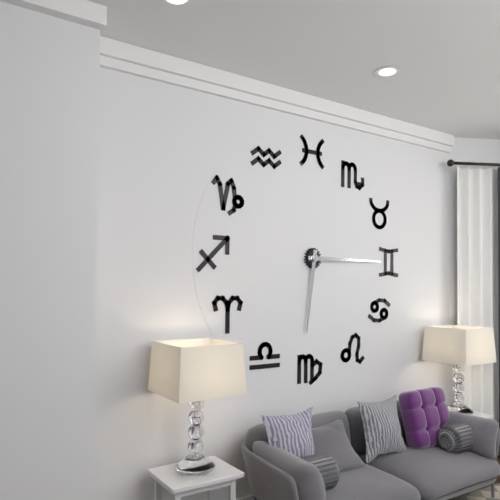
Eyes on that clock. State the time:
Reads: 6:15
